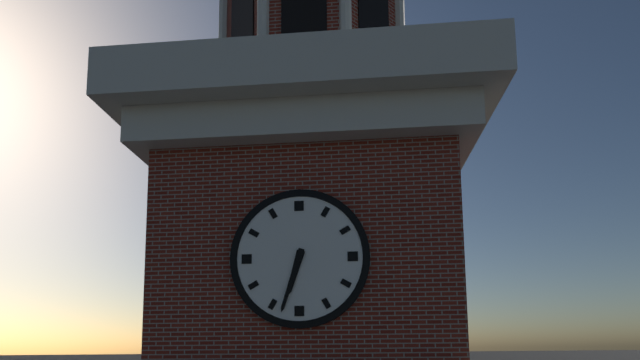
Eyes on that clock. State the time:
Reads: 6:33
